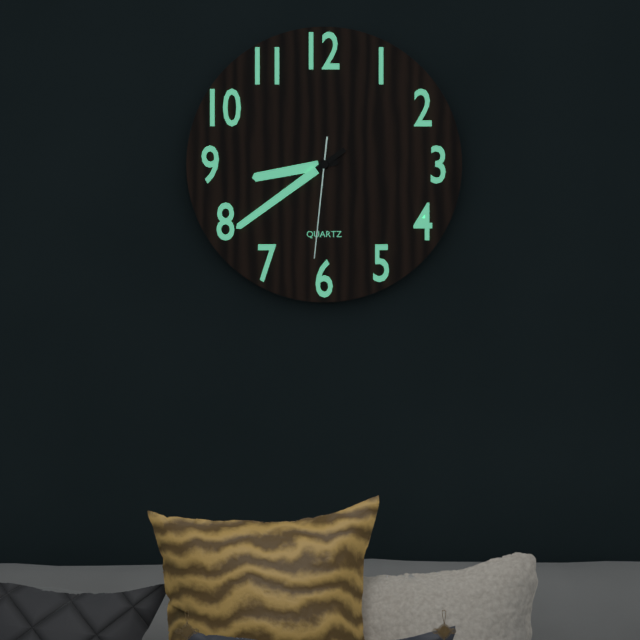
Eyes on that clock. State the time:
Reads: 8:39:31
